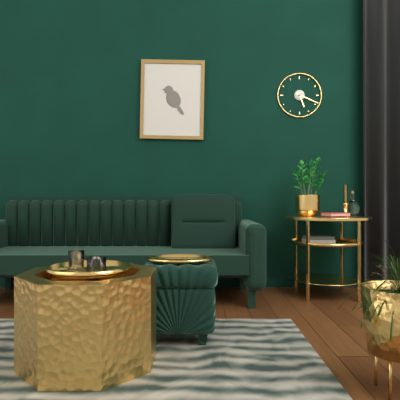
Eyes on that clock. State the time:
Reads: 5:19
